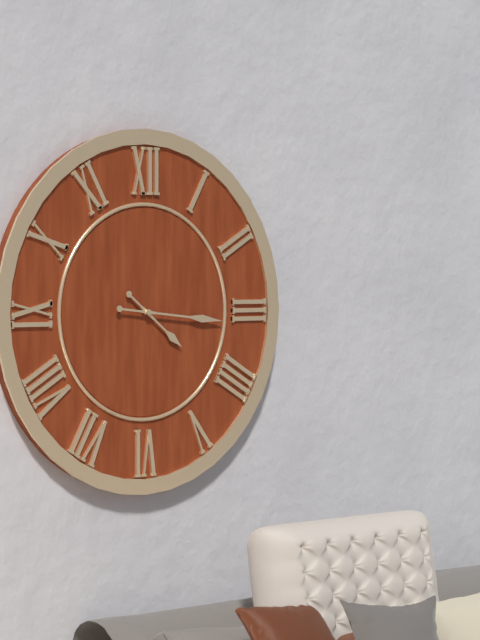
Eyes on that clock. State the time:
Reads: 4:16
